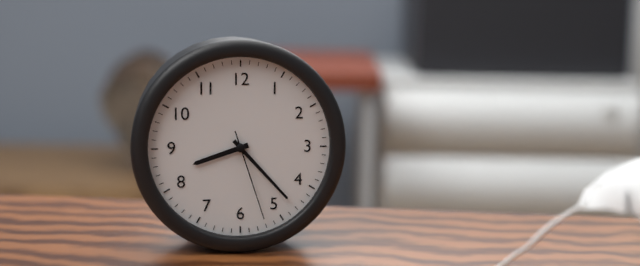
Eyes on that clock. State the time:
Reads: 8:23:27
